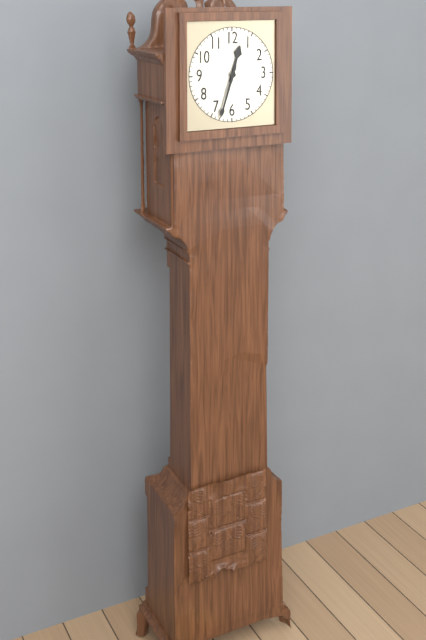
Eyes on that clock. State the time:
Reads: 12:33
